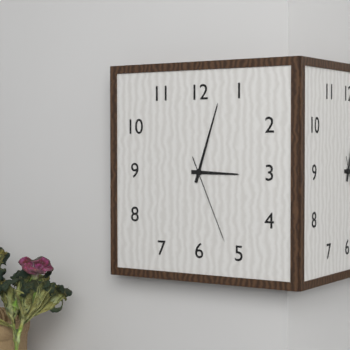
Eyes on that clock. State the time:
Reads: 3:03:26
